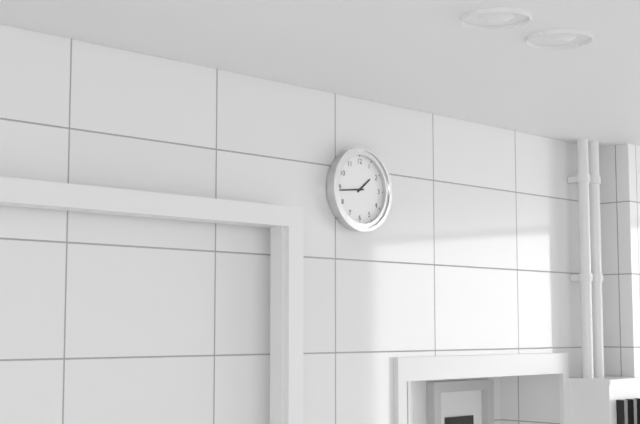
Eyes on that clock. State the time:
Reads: 1:44
